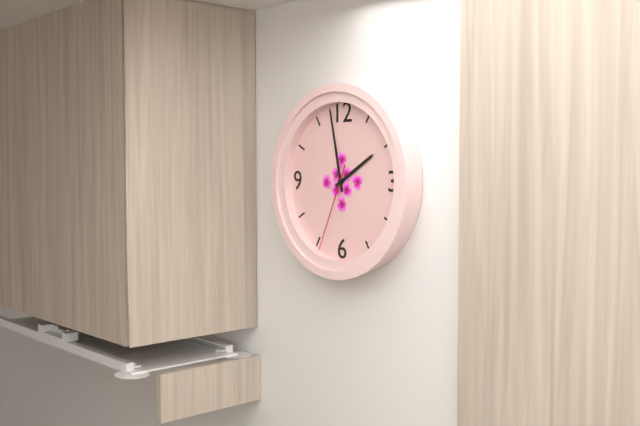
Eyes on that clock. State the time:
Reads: 1:58:34
